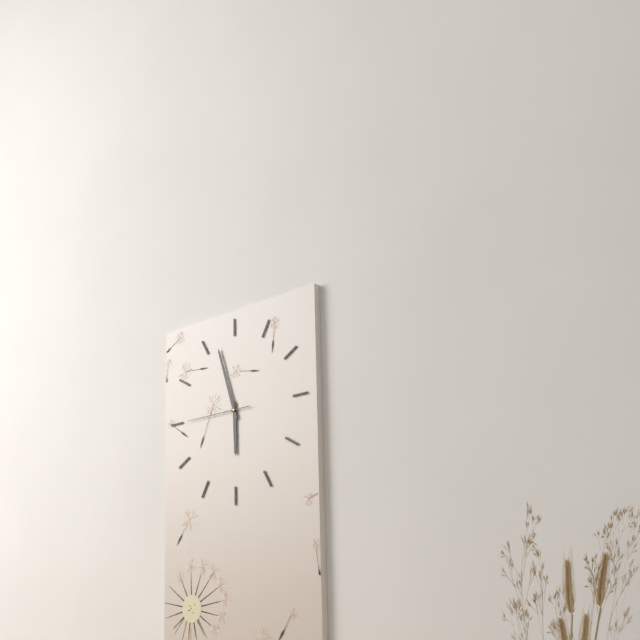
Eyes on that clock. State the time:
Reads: 5:57:45
